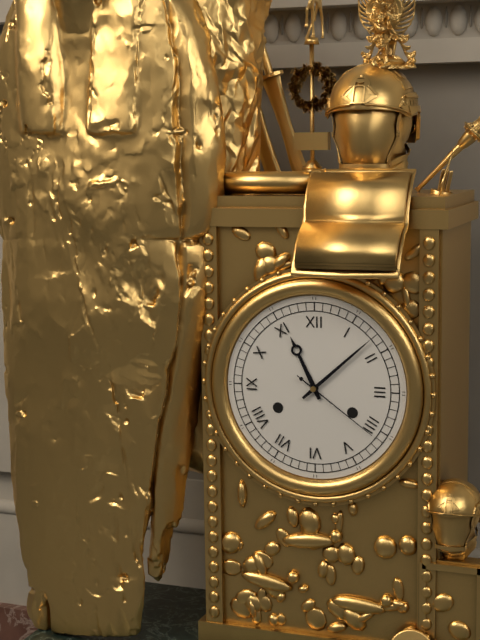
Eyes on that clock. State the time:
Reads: 11:08:21
